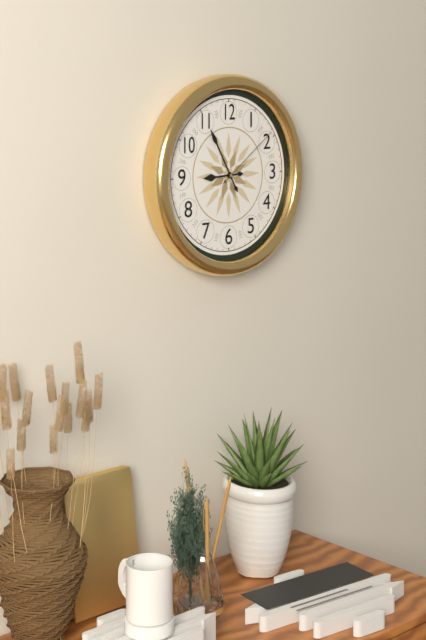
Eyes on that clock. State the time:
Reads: 8:55:09
